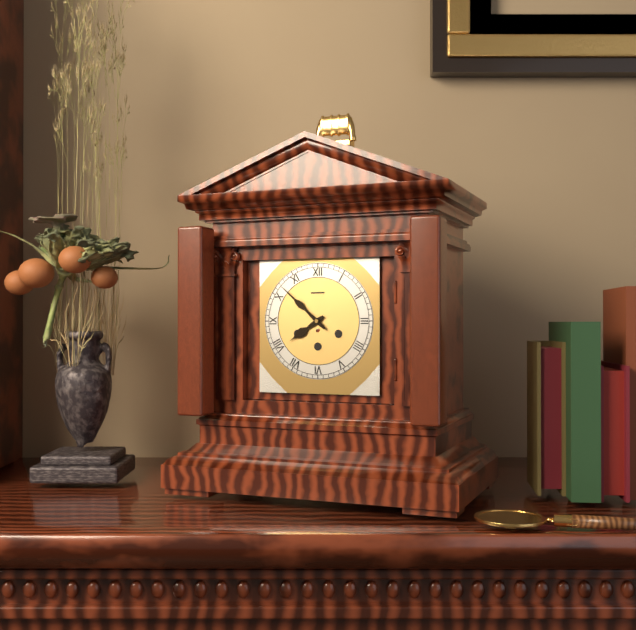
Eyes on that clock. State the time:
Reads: 7:52
